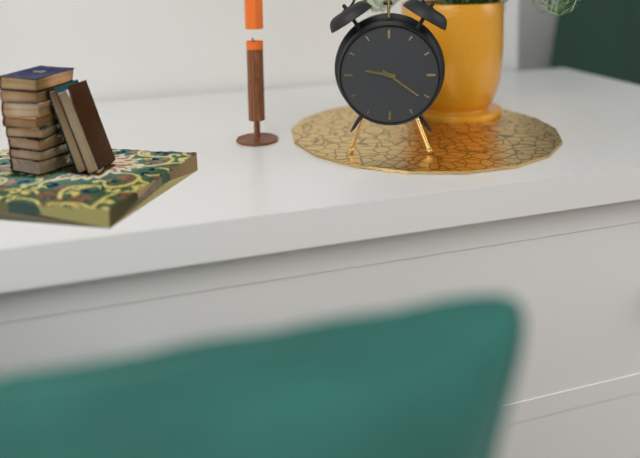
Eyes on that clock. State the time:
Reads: 9:21
